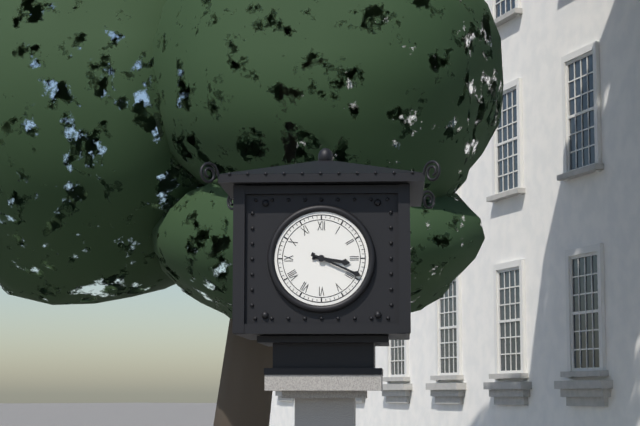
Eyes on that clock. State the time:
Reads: 3:19
